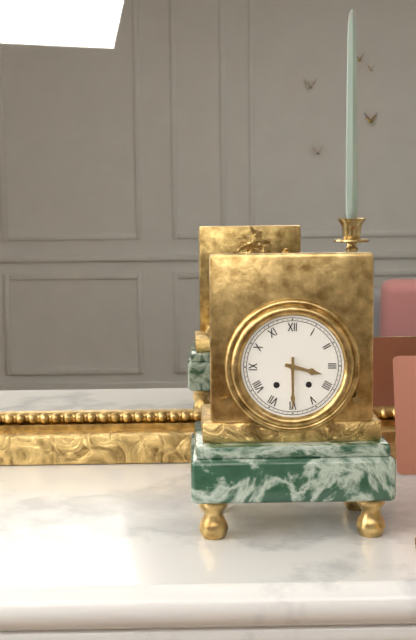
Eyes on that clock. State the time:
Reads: 3:30
